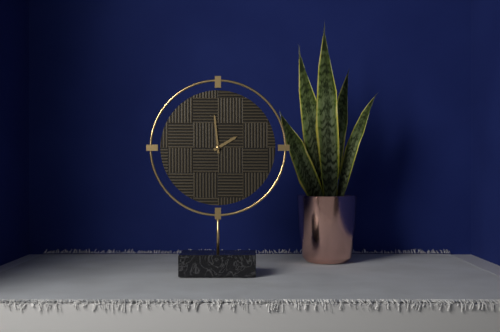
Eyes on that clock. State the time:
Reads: 1:59
